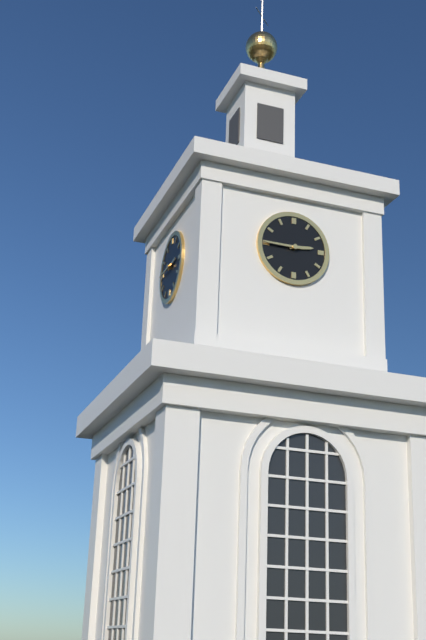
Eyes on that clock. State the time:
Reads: 2:45
